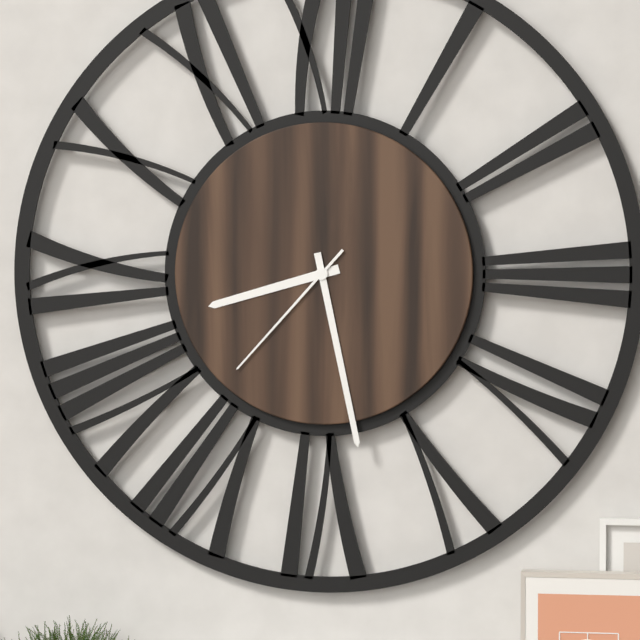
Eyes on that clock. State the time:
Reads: 8:28:37
